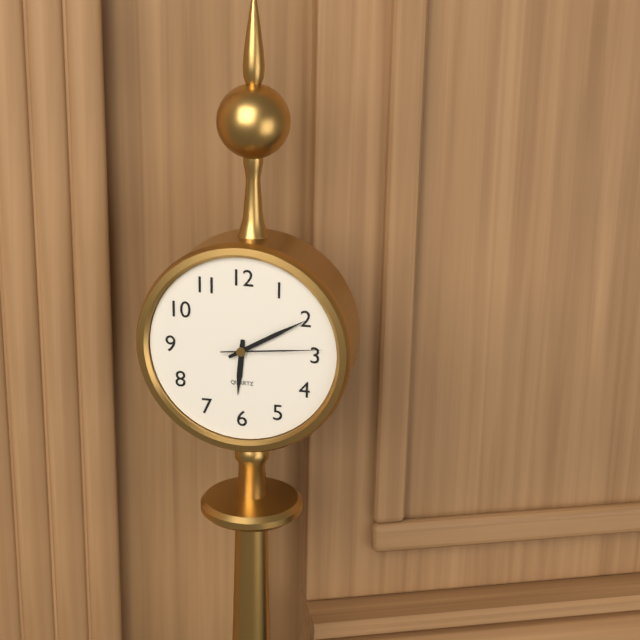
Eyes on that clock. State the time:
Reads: 6:10:14
